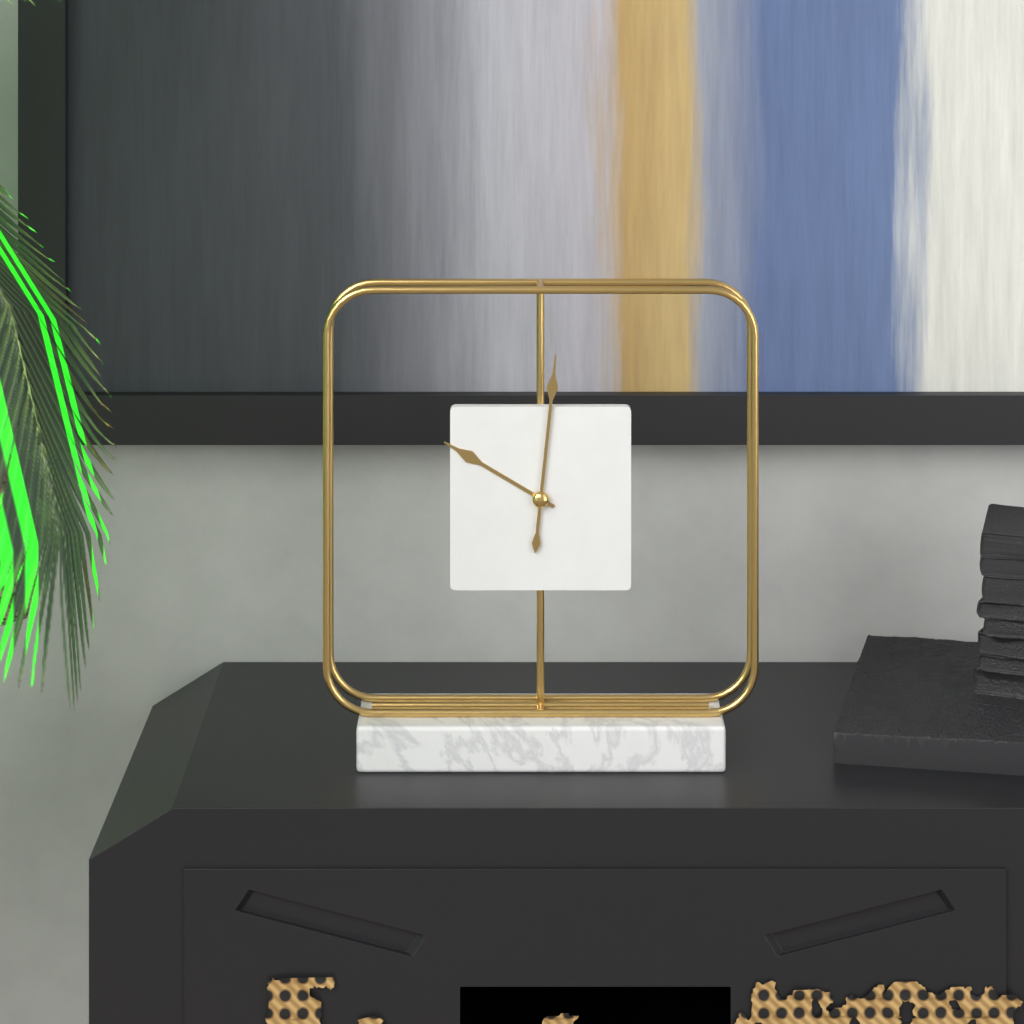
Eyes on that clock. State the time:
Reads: 10:01
